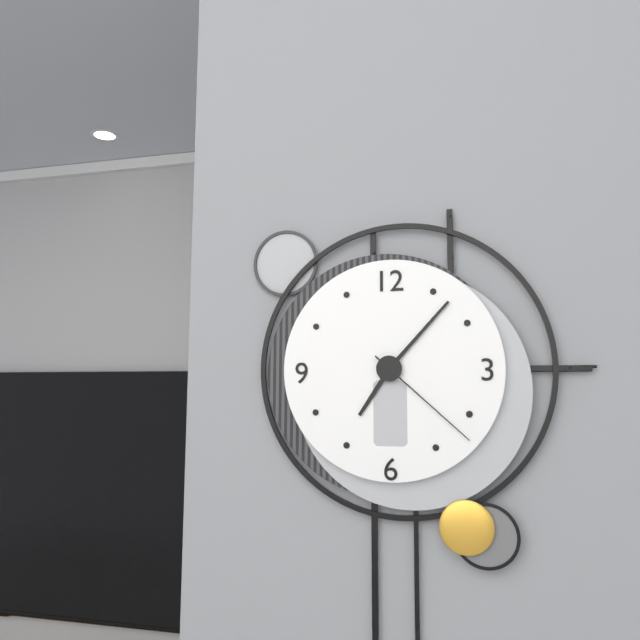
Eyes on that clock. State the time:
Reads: 7:07:22
